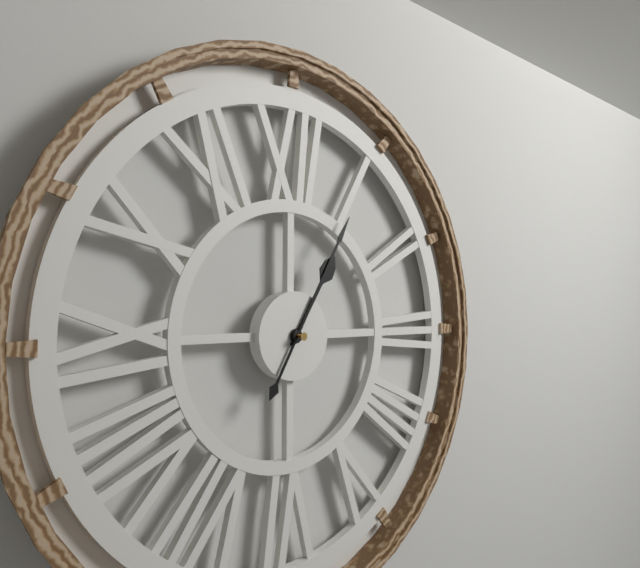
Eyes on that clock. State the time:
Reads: 1:05
